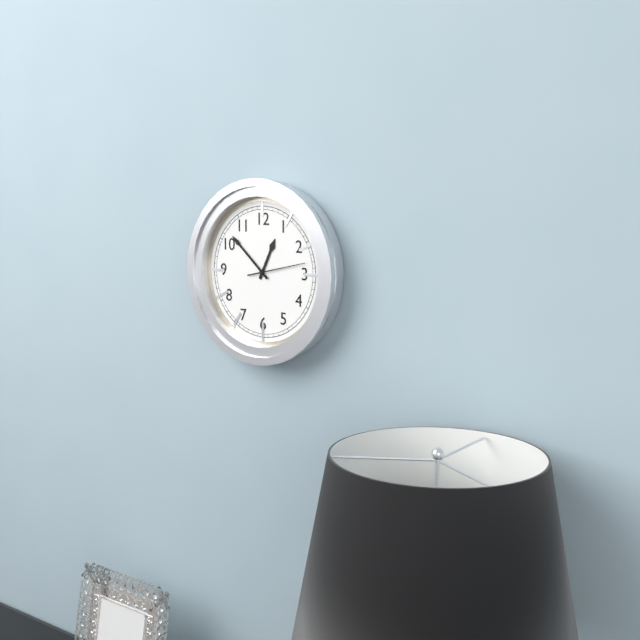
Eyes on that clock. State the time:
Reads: 12:52
